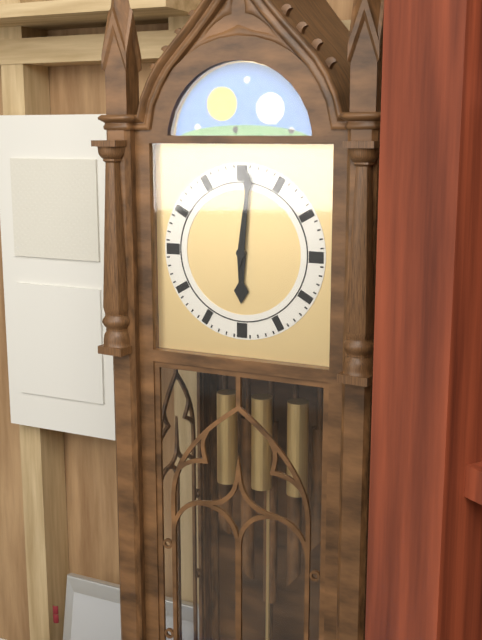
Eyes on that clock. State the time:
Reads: 6:01
